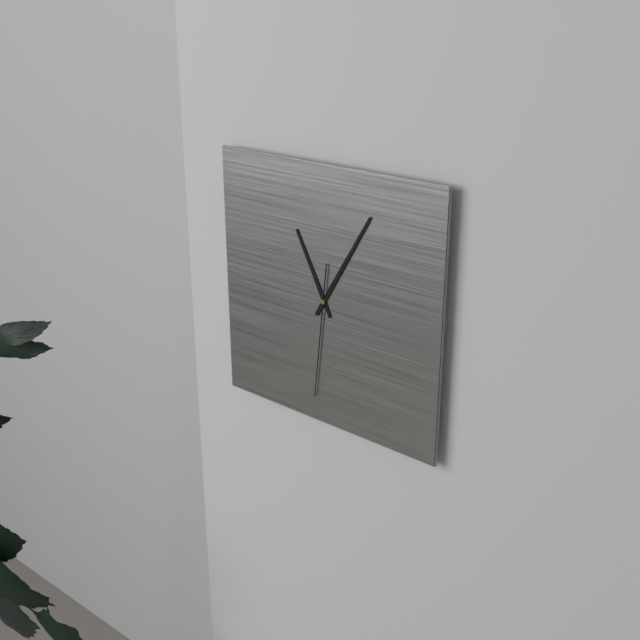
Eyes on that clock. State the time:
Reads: 11:05:31
